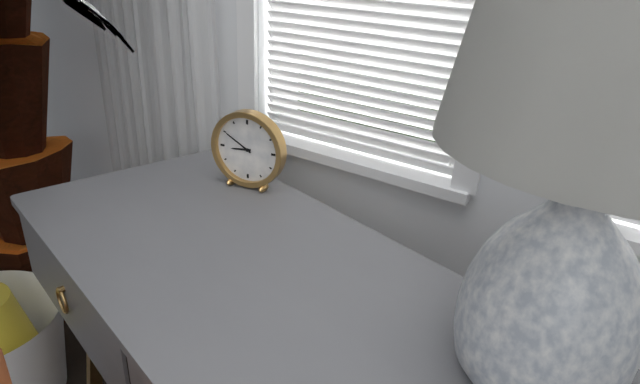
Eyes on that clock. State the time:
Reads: 8:50
